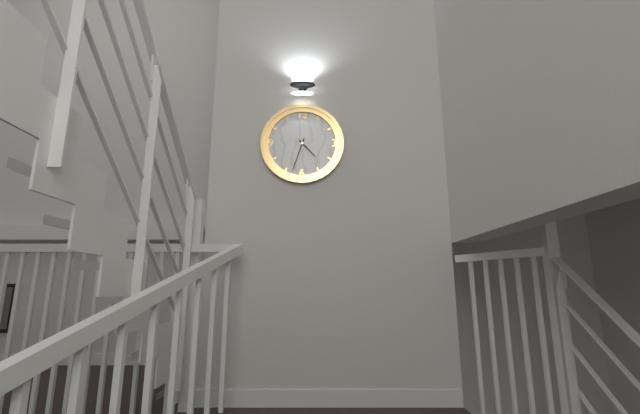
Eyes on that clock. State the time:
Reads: 4:33
